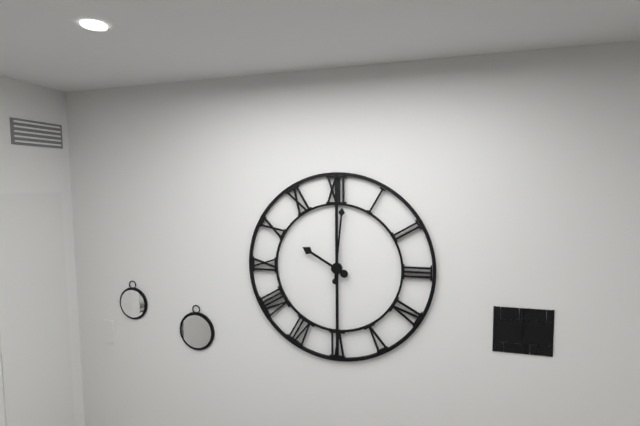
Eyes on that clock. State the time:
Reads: 10:01
